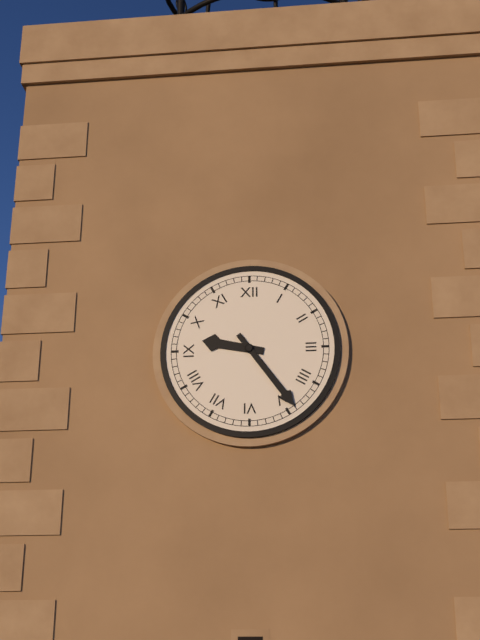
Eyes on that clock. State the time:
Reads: 9:24
